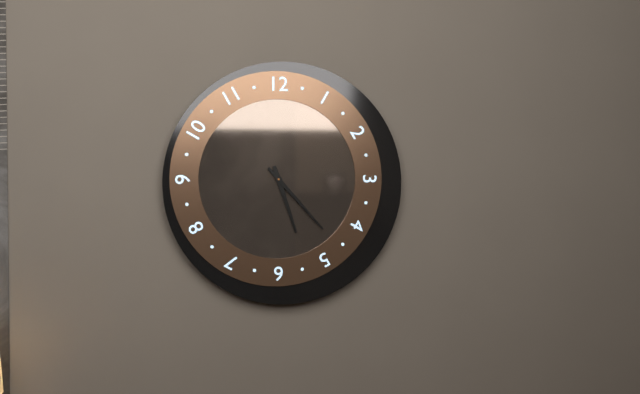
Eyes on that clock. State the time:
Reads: 5:23
